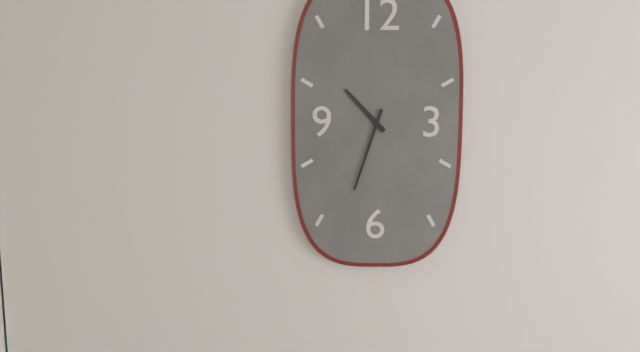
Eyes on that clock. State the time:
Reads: 10:33
